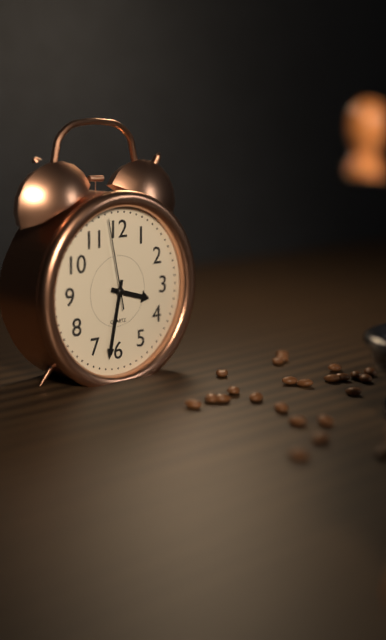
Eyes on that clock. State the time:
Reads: 3:32:58
